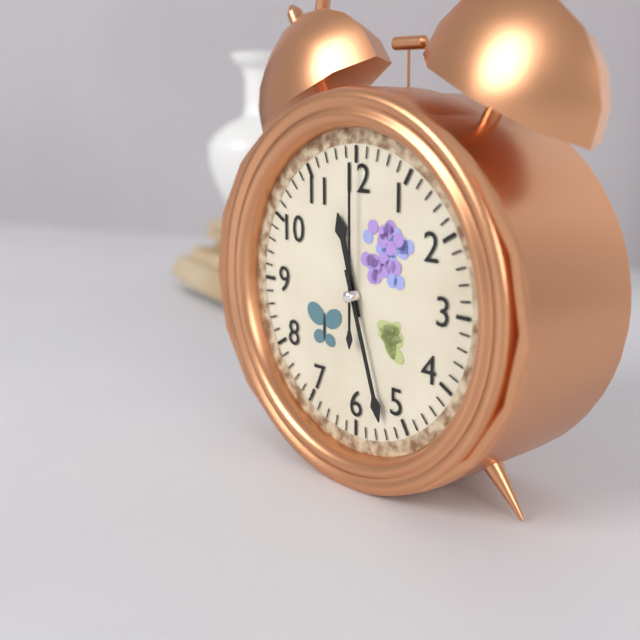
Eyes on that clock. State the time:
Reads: 11:27:00
